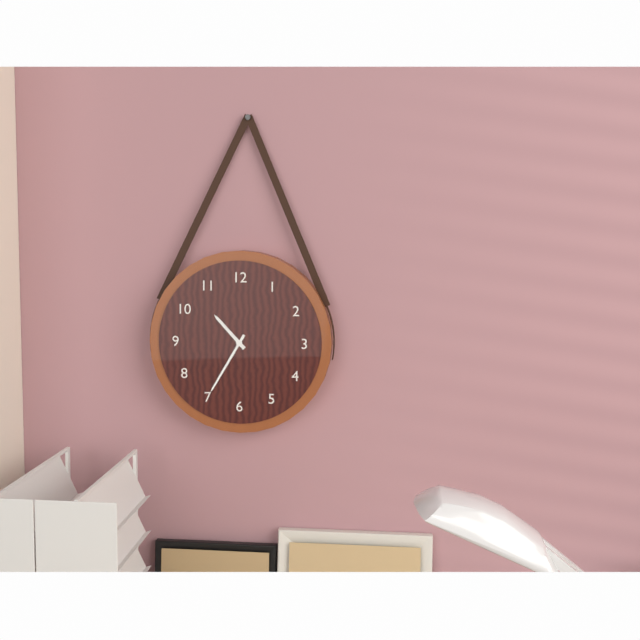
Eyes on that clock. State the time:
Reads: 10:35
